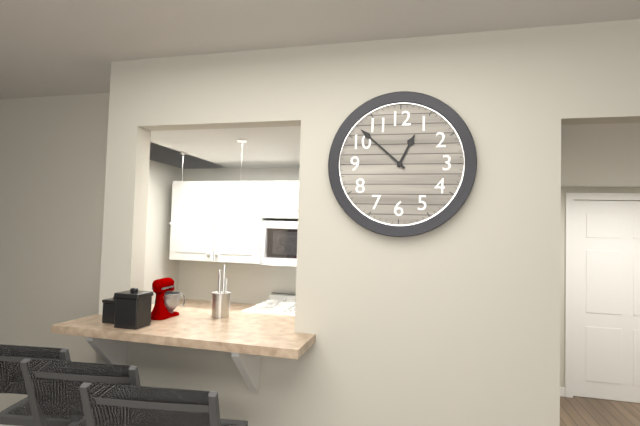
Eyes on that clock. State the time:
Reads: 12:52
